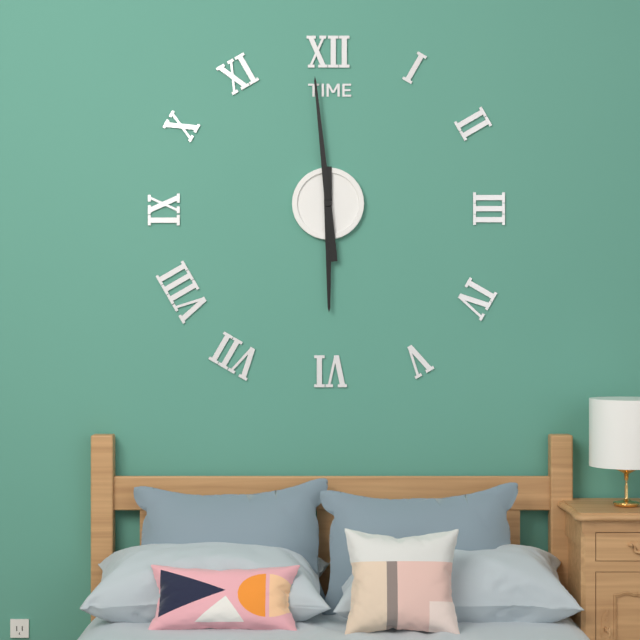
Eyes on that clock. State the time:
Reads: 5:59
